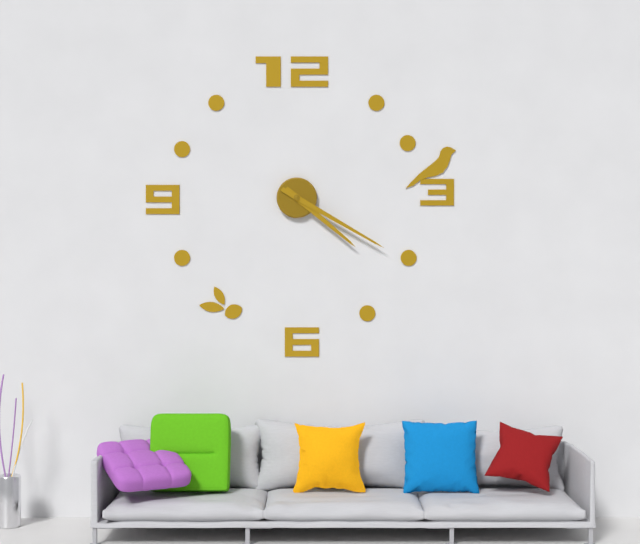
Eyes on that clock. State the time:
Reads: 4:20
